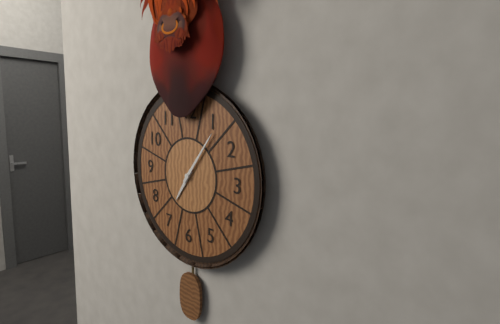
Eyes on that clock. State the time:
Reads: 7:06
